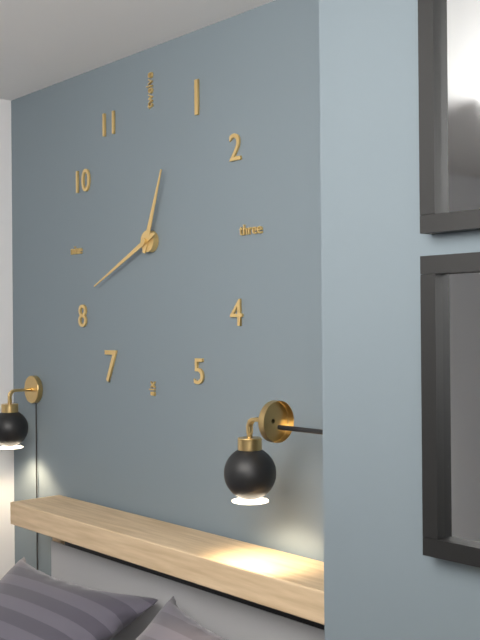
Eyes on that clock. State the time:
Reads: 12:41
